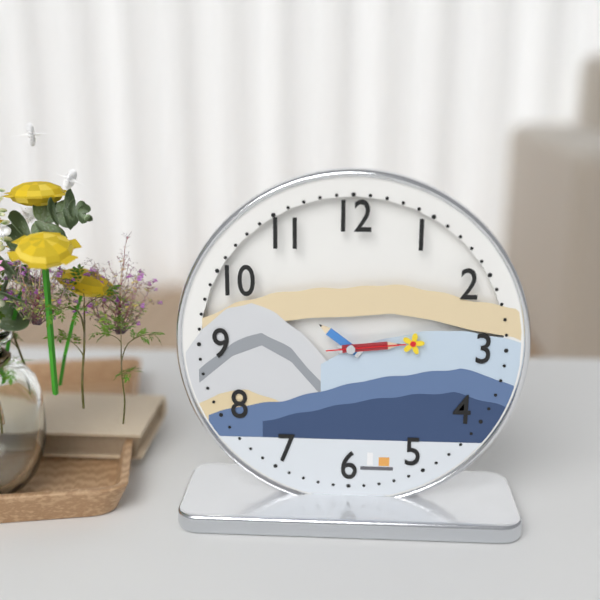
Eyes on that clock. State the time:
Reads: 10:14:14
